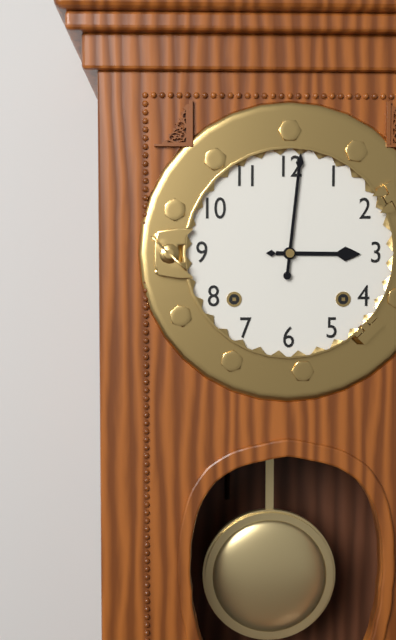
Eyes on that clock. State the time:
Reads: 3:01
